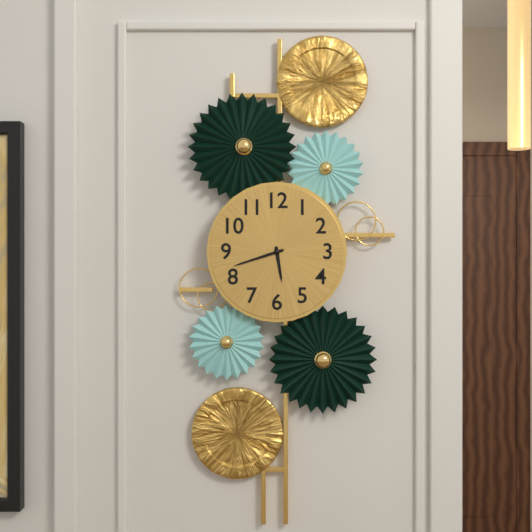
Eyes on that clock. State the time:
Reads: 5:42
